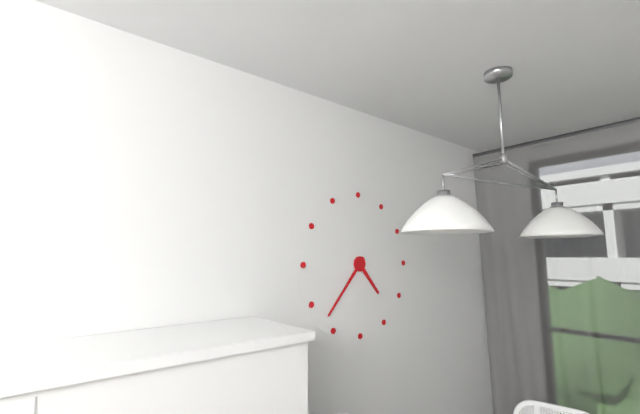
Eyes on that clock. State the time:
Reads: 4:37
